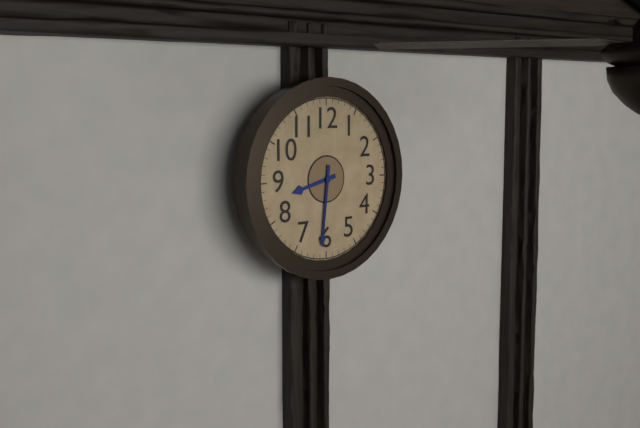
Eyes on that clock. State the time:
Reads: 8:31
